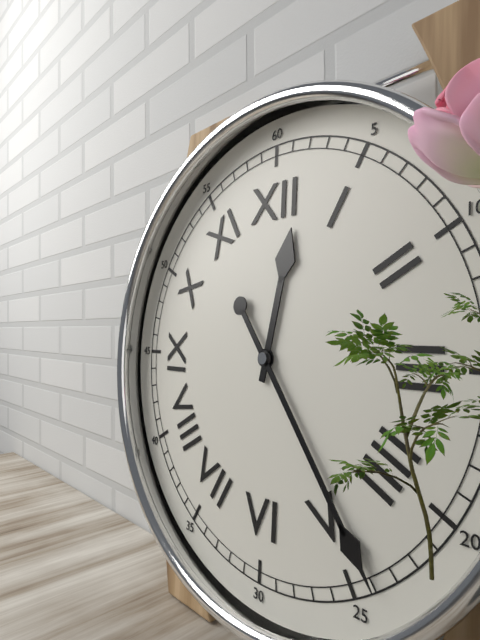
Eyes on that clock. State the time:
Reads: 12:24
